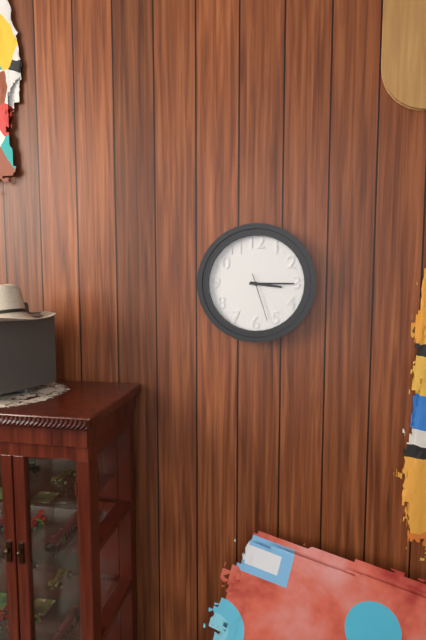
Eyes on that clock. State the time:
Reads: 3:15
